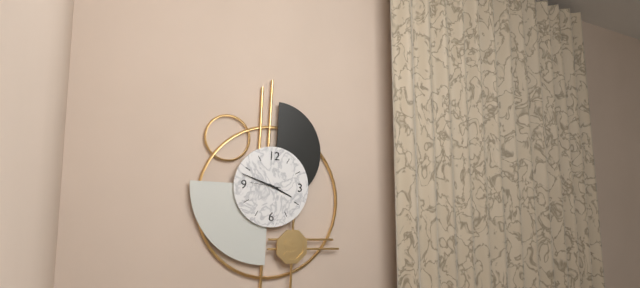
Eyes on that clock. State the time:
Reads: 3:48
